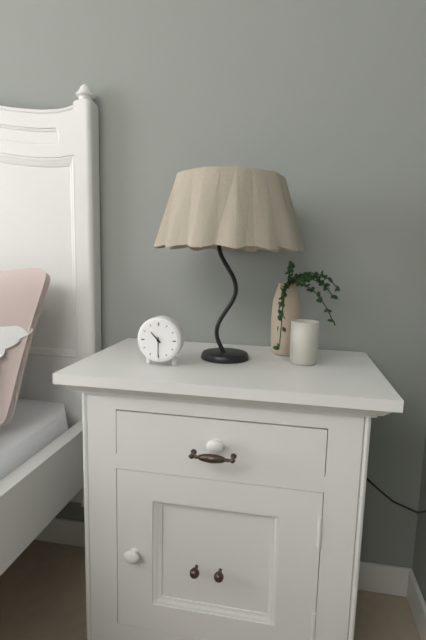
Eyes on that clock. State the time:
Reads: 10:30
